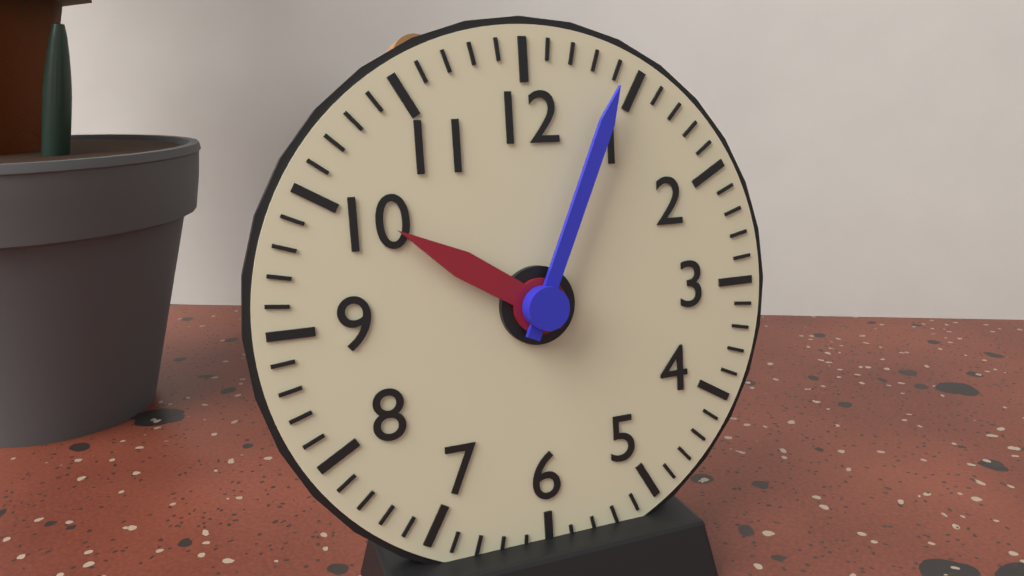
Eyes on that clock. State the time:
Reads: 10:04
